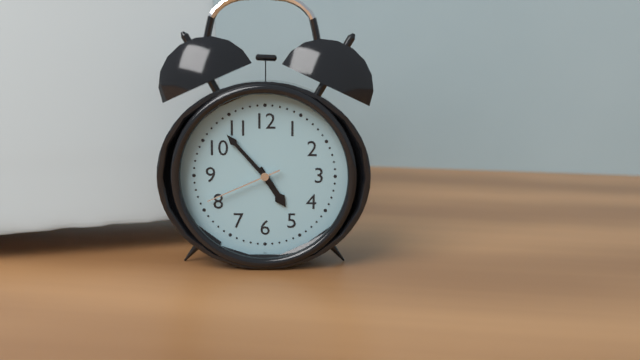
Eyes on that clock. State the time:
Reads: 4:53:41
